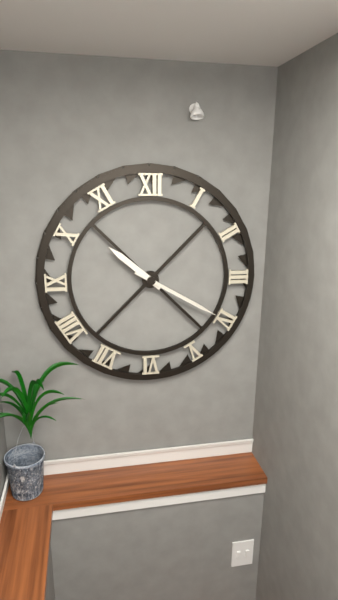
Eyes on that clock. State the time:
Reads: 10:20
